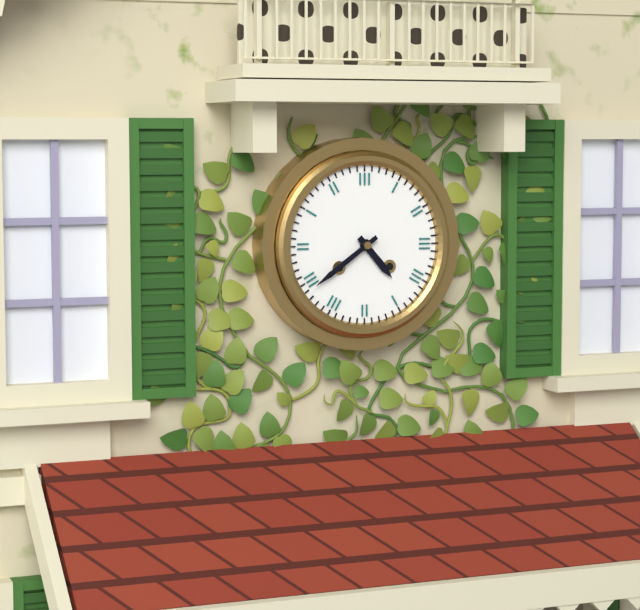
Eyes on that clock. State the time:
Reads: 4:39
